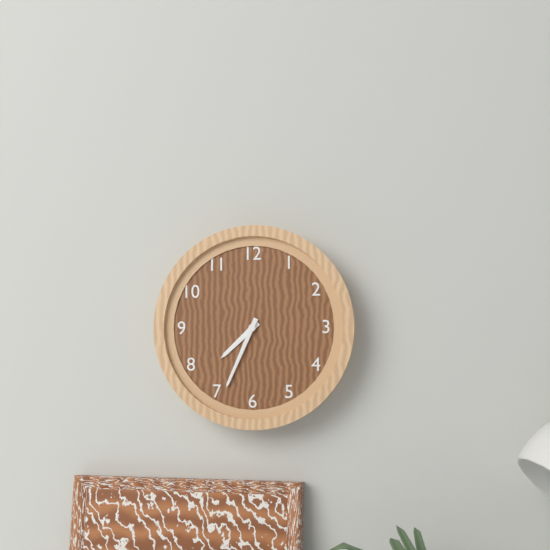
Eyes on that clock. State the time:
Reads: 7:34
